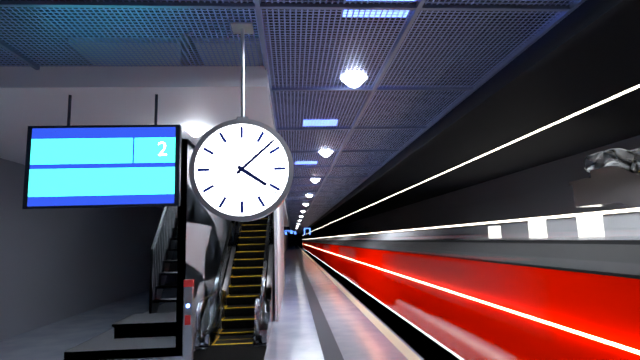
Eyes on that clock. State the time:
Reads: 4:08
